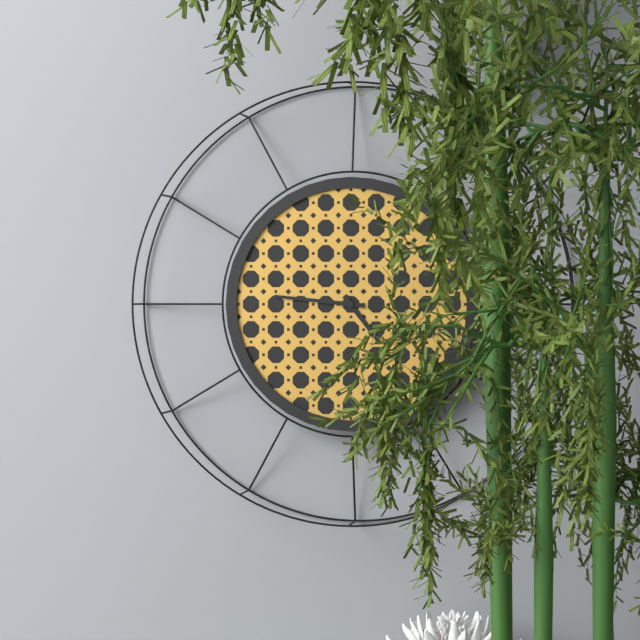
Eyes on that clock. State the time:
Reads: 4:46
